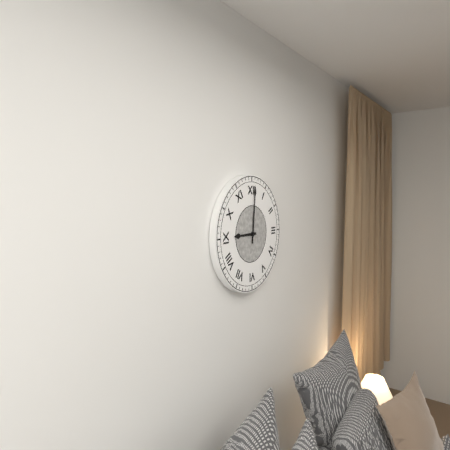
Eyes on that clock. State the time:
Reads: 9:01
